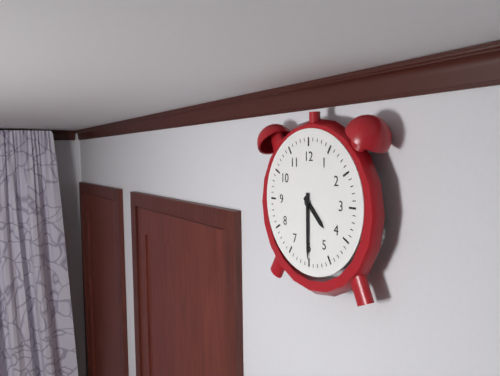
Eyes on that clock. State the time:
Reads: 4:30
